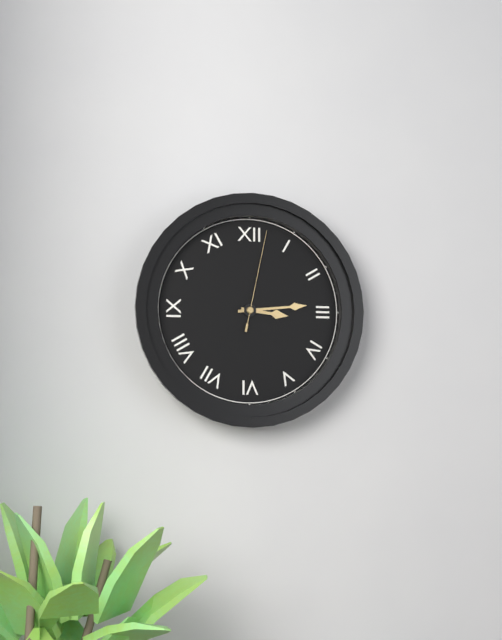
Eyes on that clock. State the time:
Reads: 3:14:02
